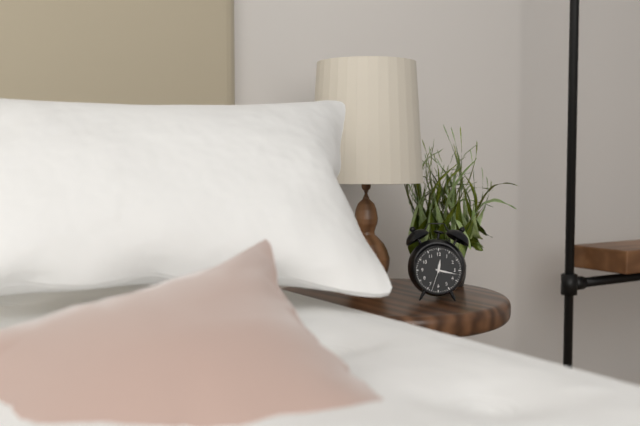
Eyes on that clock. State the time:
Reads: 12:17
